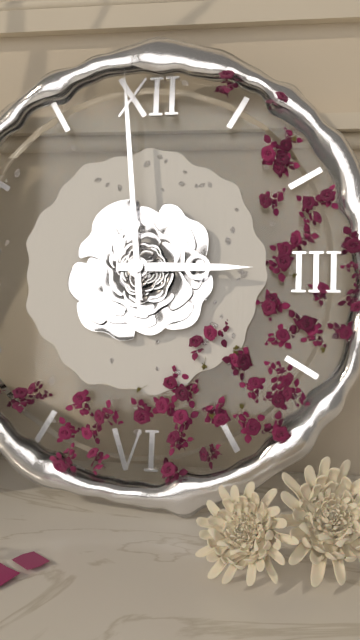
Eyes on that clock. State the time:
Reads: 2:59
